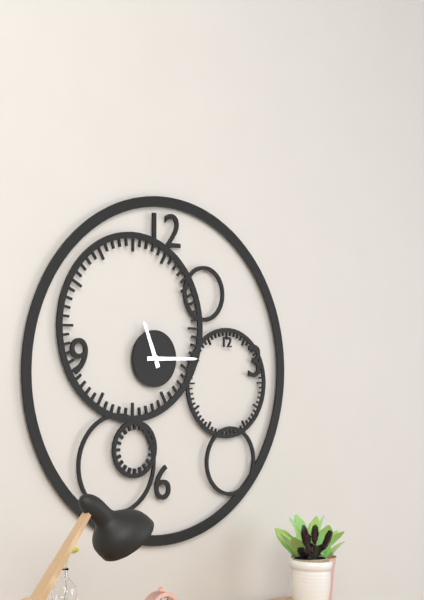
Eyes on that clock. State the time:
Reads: 11:15
